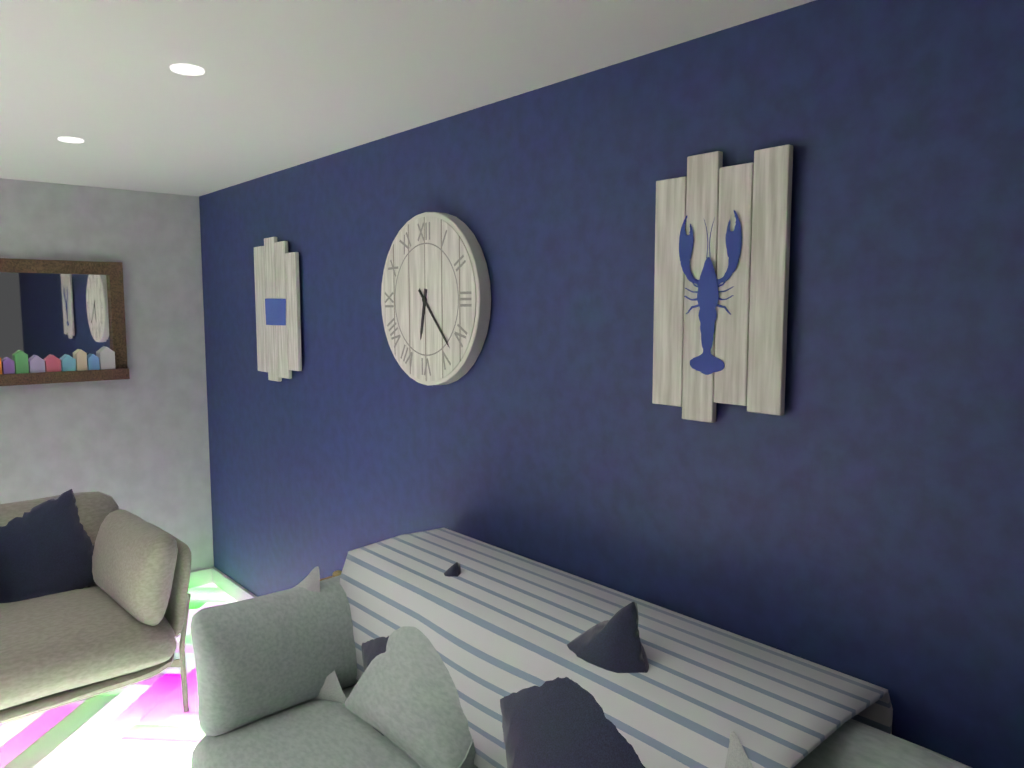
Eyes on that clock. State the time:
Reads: 6:23
